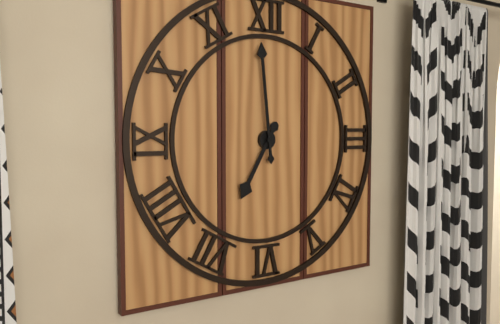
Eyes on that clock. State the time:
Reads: 6:59
